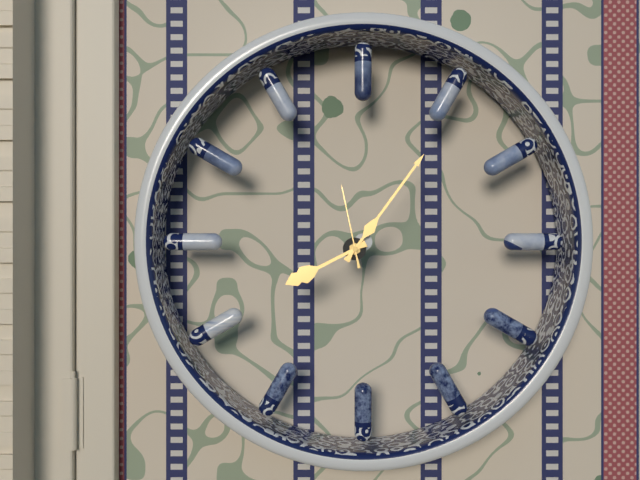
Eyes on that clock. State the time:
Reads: 8:06:58
